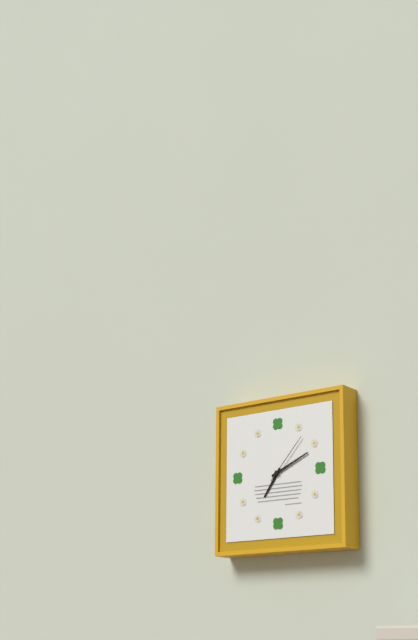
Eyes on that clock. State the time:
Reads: 7:11:07
